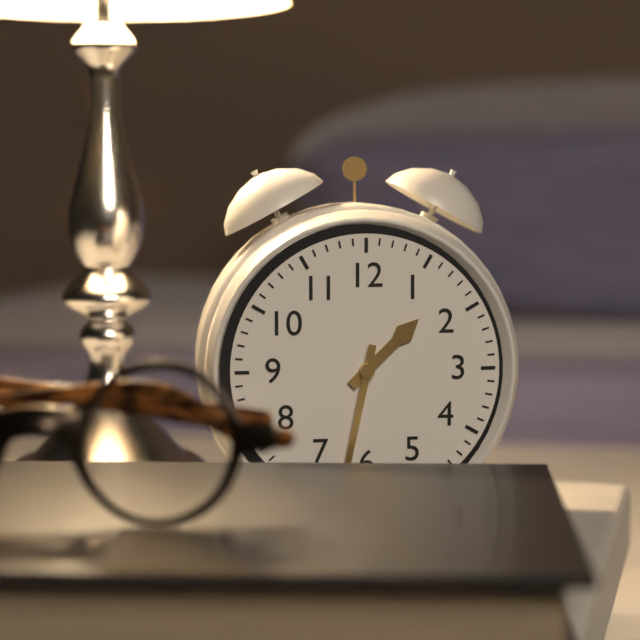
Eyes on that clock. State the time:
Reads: 1:32
